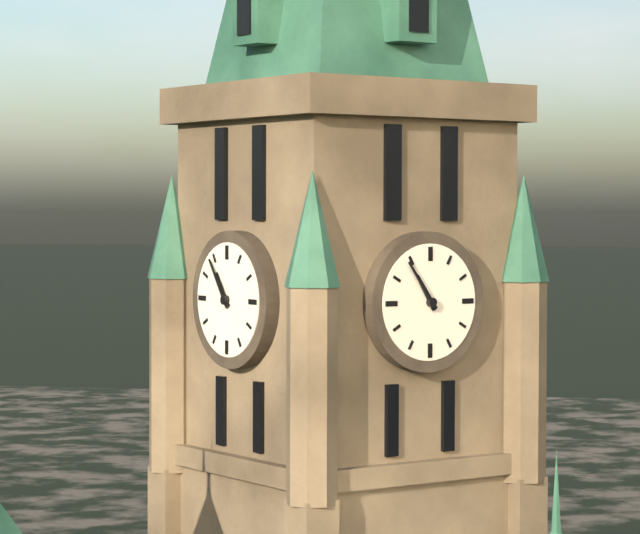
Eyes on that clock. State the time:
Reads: 10:54
